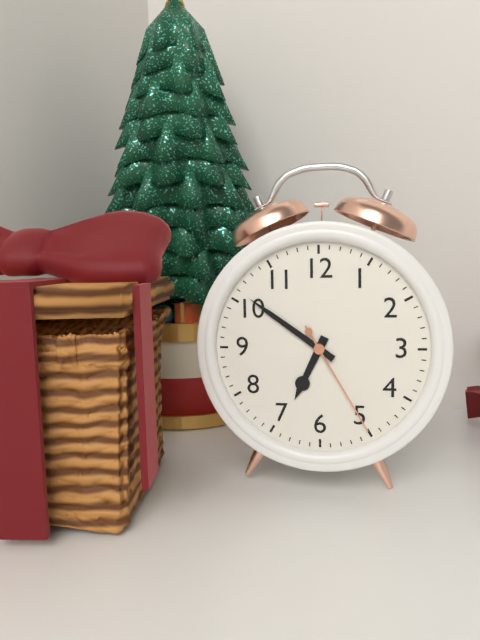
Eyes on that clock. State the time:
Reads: 6:51:25
